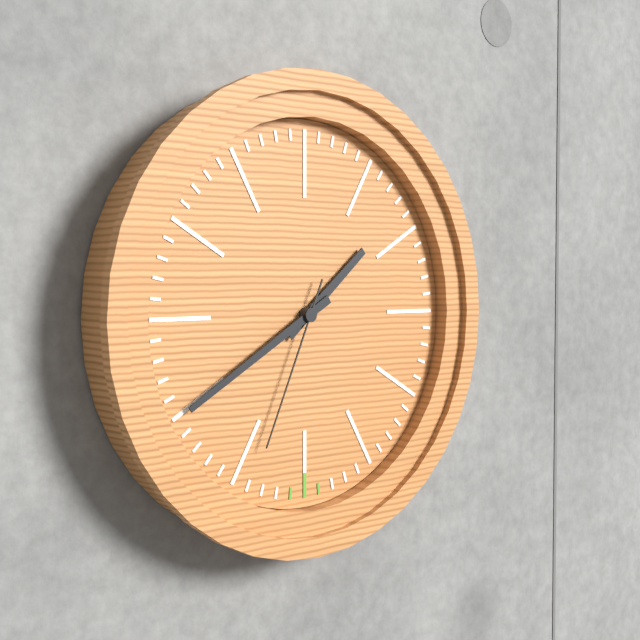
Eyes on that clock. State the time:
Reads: 1:40:34
